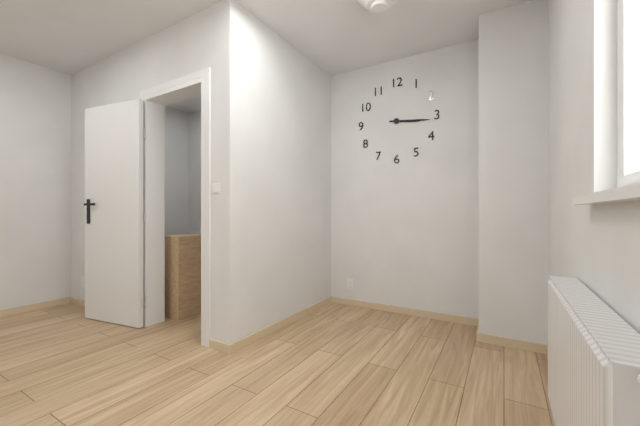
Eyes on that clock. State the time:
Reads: 3:16
